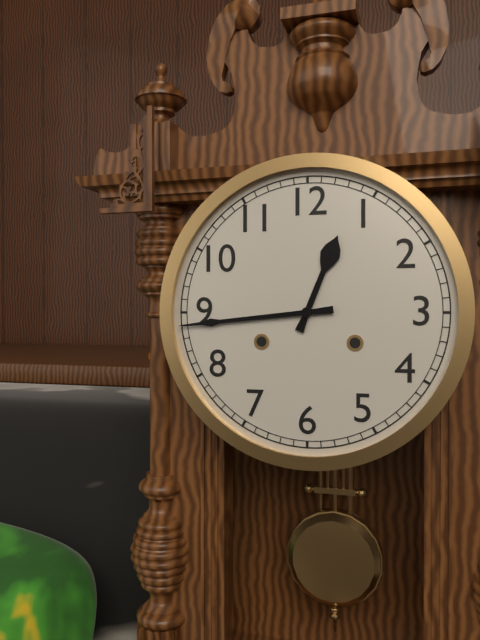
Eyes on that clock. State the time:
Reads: 12:44
